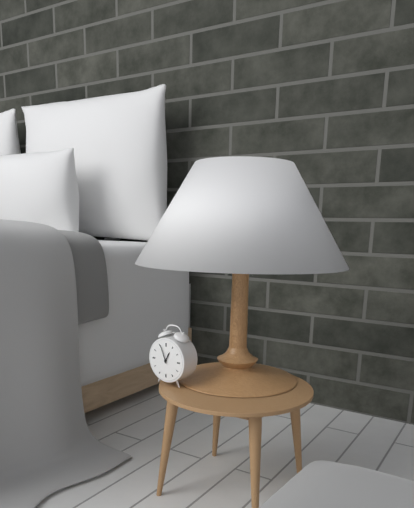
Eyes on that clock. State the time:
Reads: 12:56
